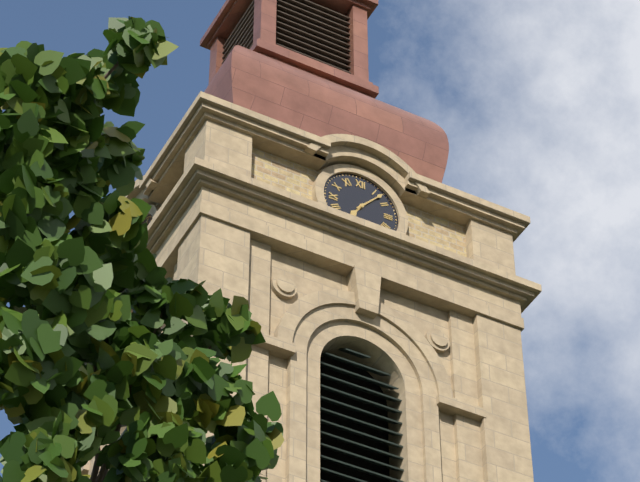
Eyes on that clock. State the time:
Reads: 7:07
